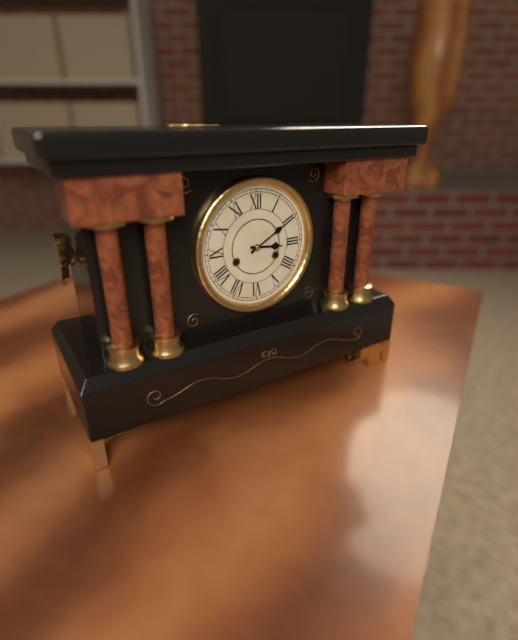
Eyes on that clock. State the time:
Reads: 3:10
